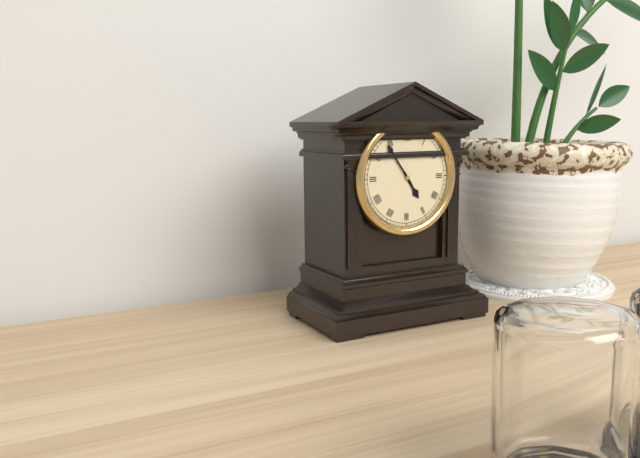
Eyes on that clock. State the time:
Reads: 4:54
